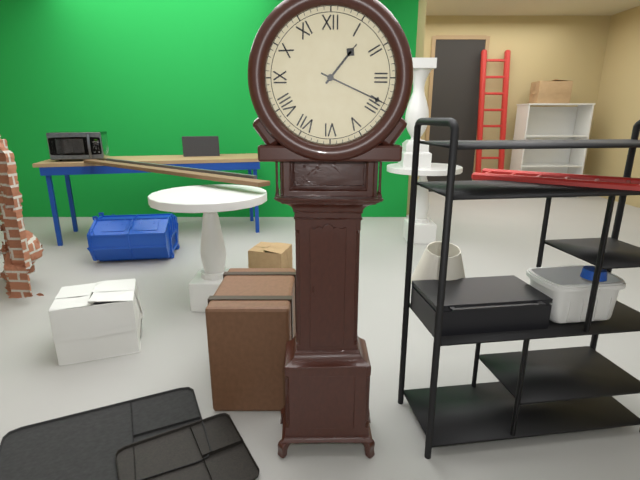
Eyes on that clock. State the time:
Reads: 1:19
